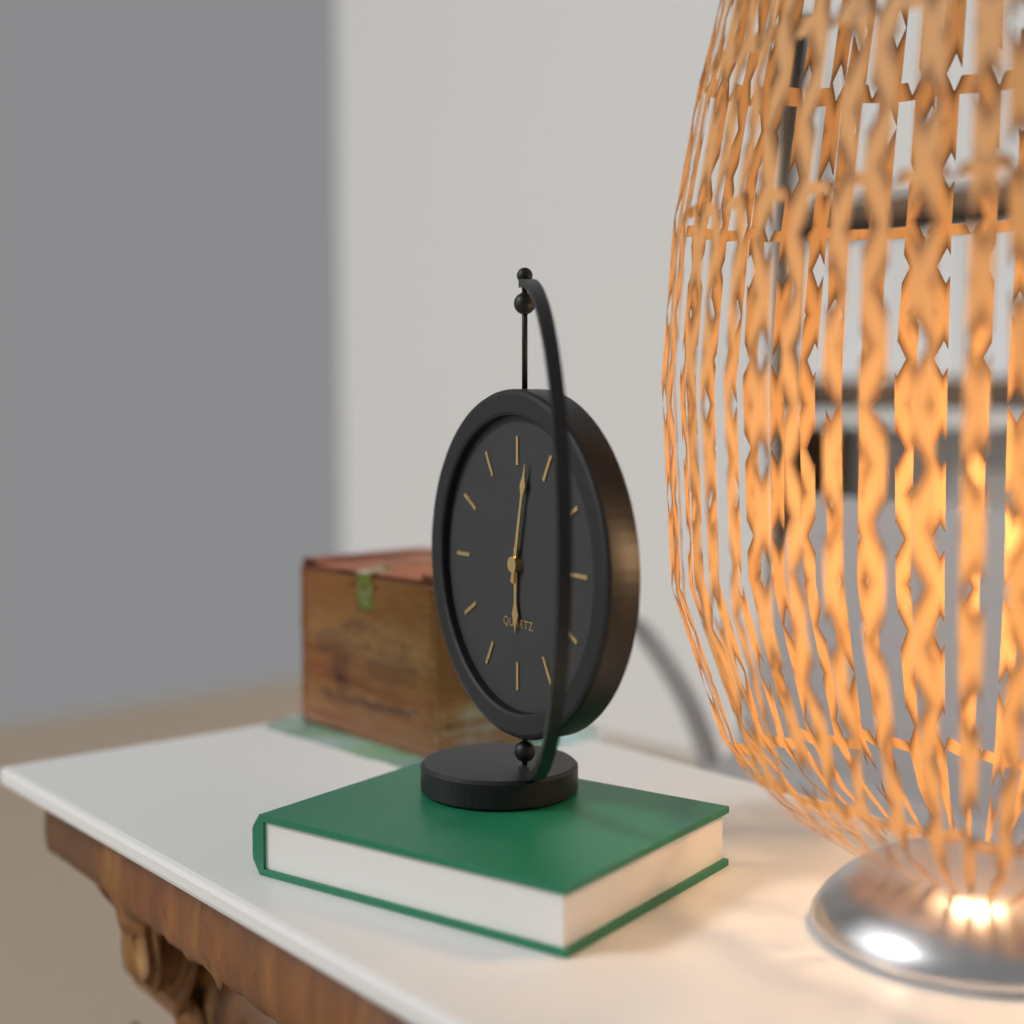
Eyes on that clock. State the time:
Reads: 6:02
